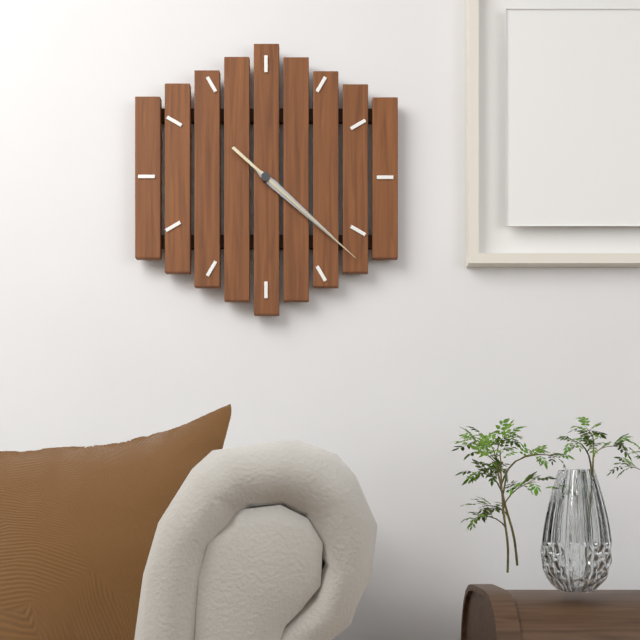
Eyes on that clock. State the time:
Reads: 4:22:22
